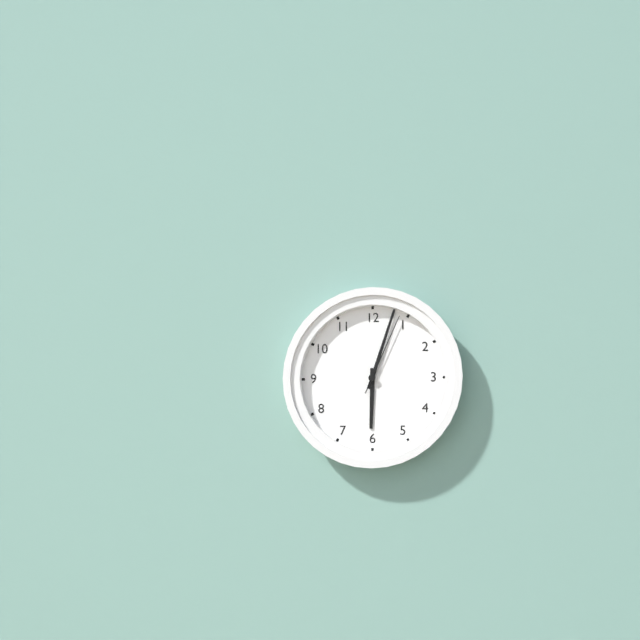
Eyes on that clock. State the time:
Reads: 6:03:04
